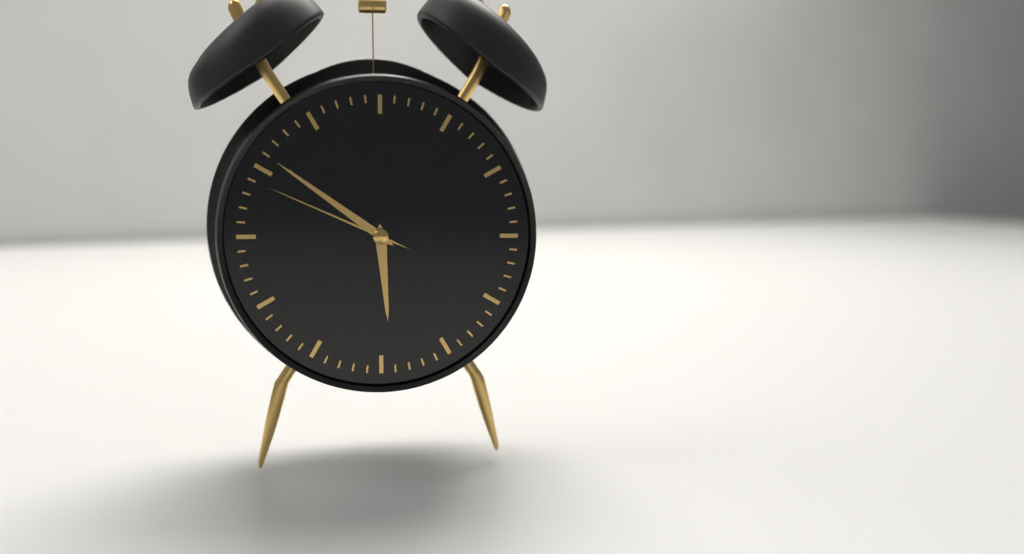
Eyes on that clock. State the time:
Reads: 5:51:49
